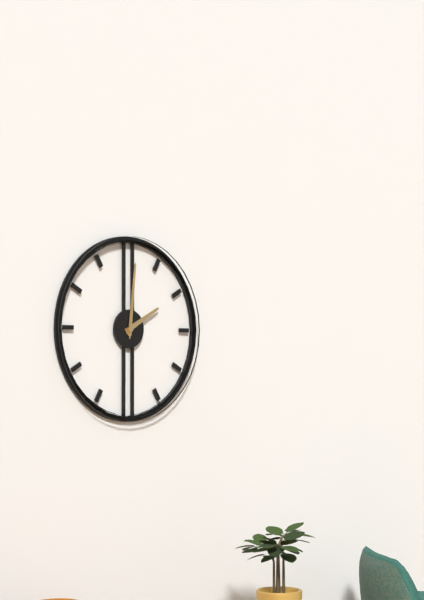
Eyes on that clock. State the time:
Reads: 2:01:01
